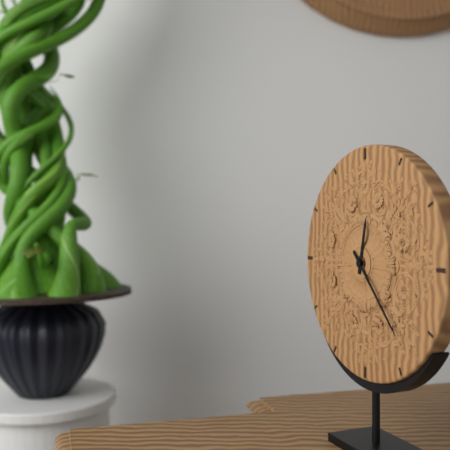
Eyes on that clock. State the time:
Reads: 12:23
